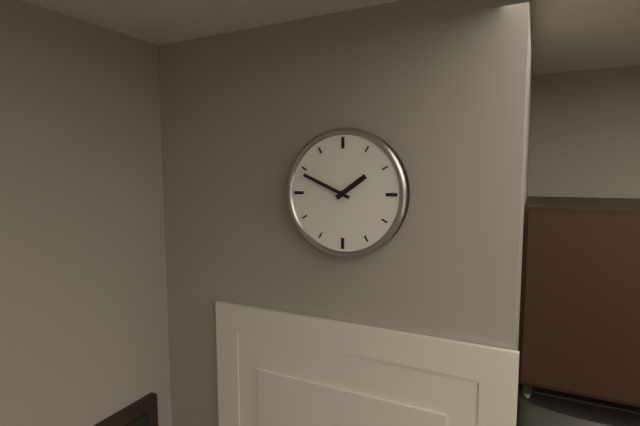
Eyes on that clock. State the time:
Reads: 1:49
